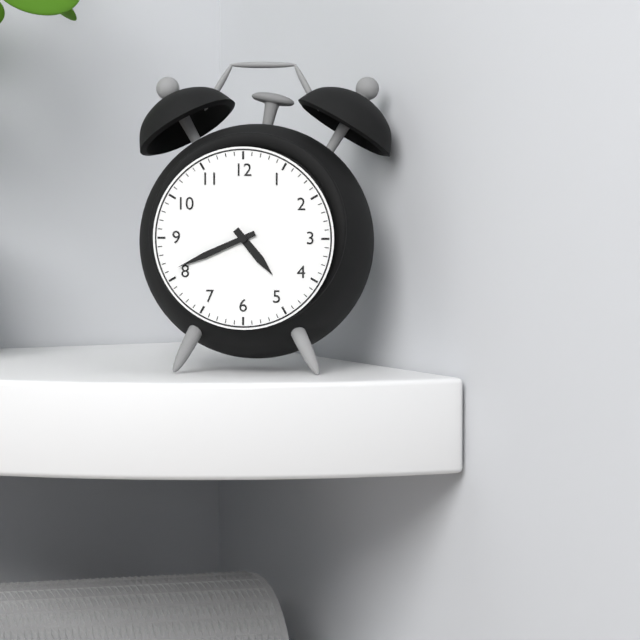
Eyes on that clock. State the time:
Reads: 4:41
